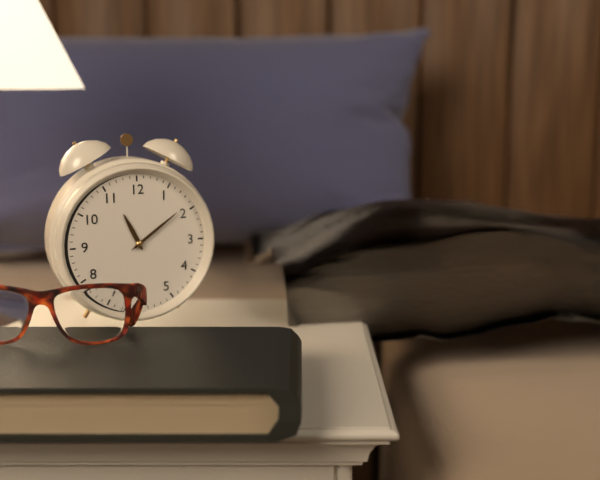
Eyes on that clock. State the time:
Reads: 11:09
